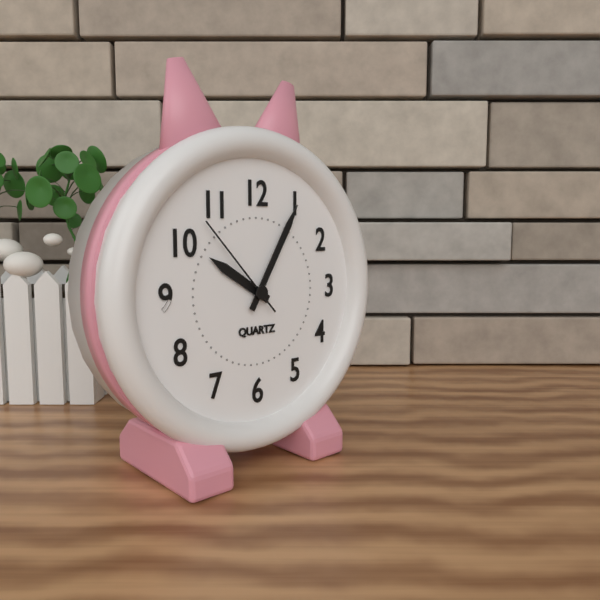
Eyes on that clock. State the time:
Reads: 10:05:53
